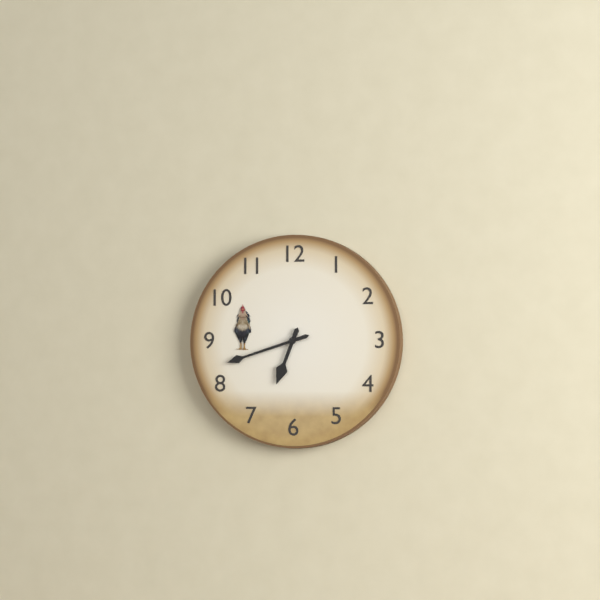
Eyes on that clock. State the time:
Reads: 6:42
